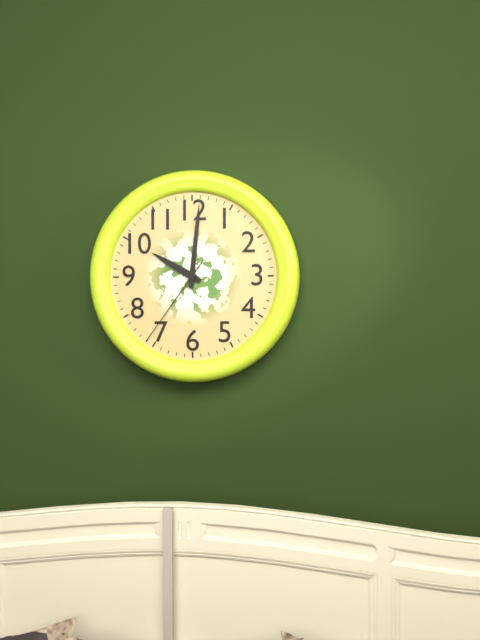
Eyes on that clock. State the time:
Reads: 10:01:36
